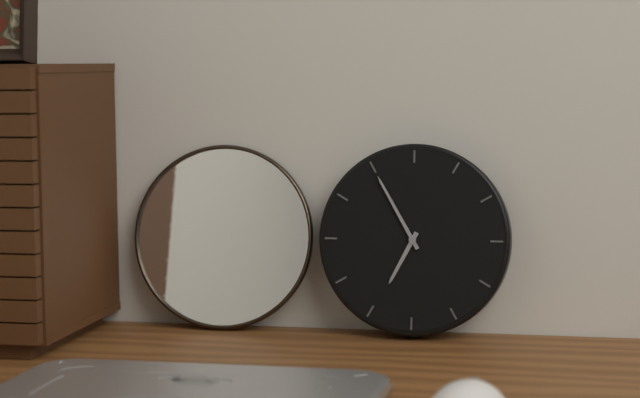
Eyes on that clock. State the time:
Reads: 6:55
